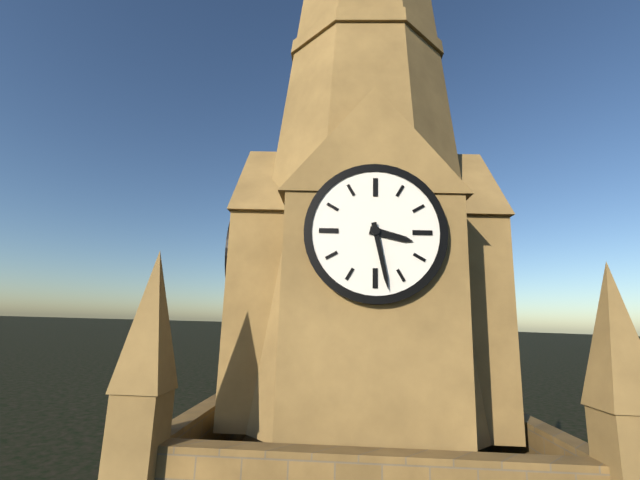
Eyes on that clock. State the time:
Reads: 3:28
